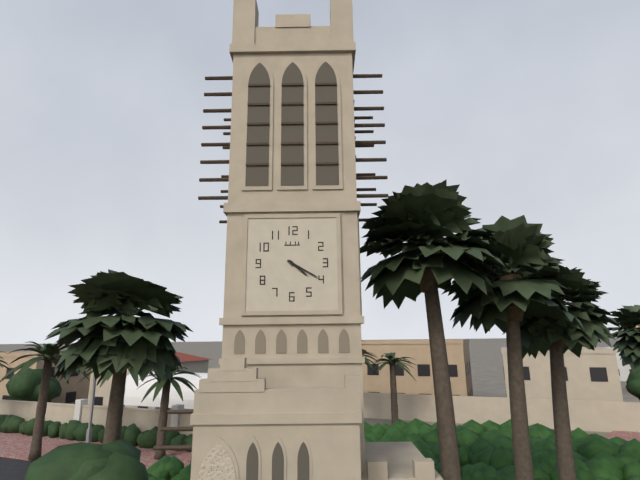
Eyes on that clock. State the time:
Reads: 4:20
